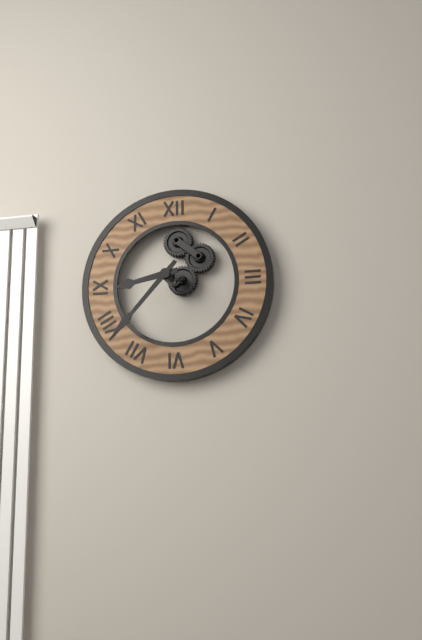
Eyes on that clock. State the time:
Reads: 8:37
